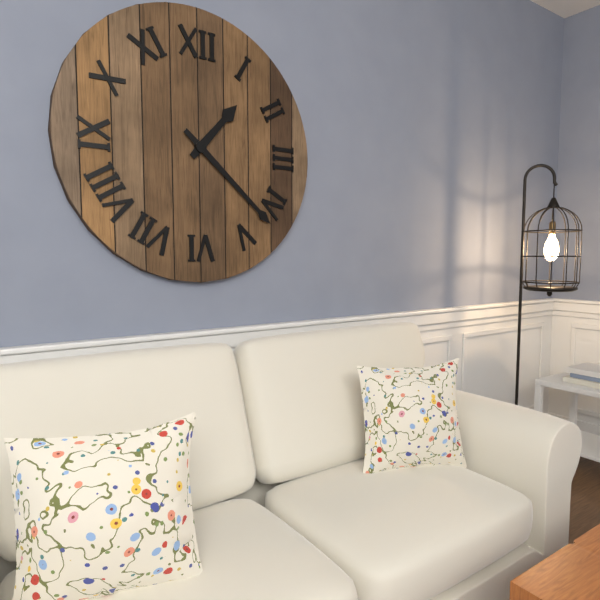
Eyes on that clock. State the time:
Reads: 1:22
